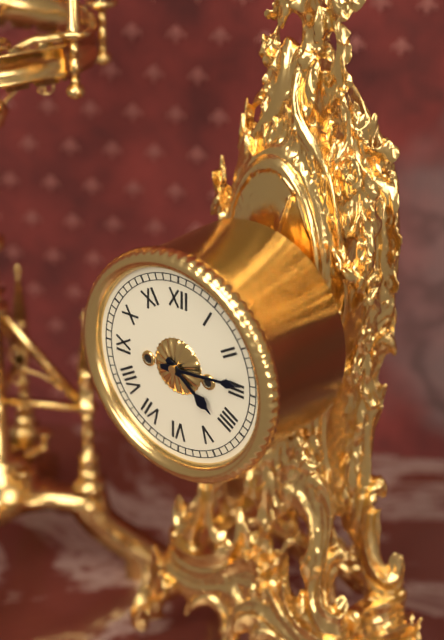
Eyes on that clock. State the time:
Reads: 4:14
